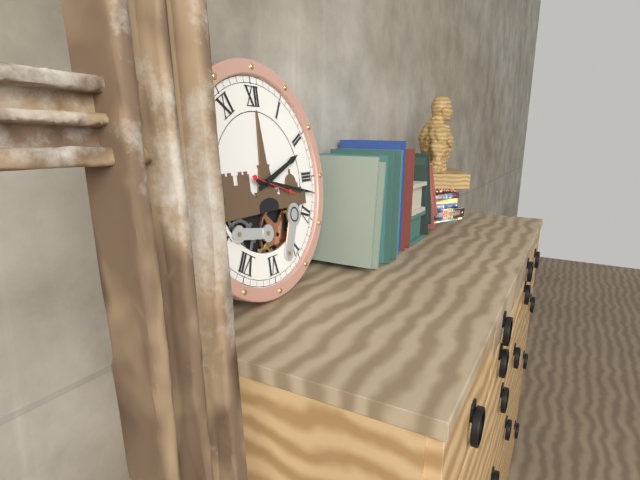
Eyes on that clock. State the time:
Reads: 2:17
